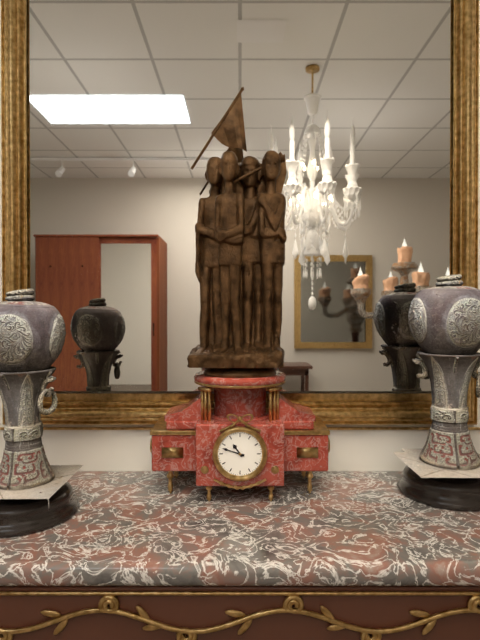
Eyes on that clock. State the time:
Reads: 10:48
